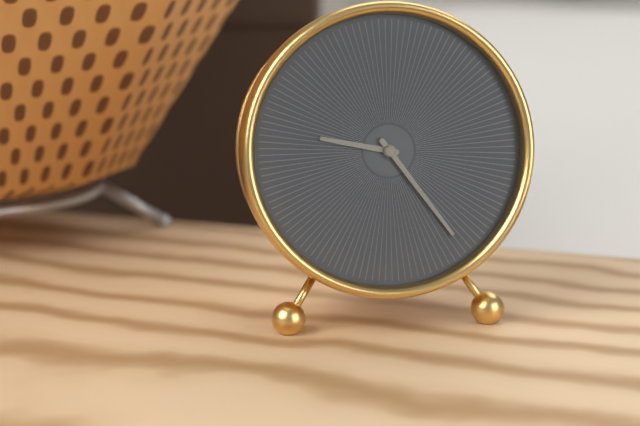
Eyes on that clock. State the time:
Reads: 9:24
